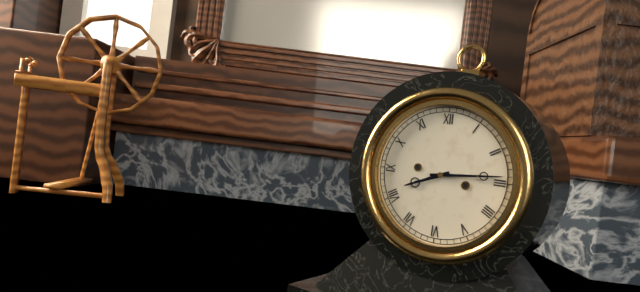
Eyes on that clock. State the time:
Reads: 8:14
